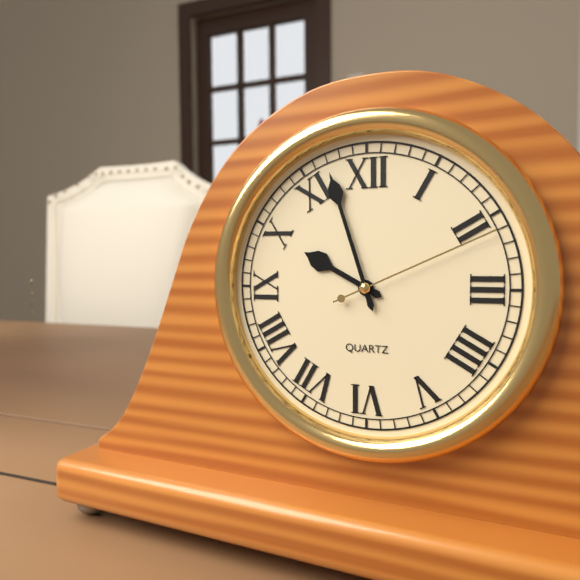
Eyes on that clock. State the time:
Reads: 9:57:11
